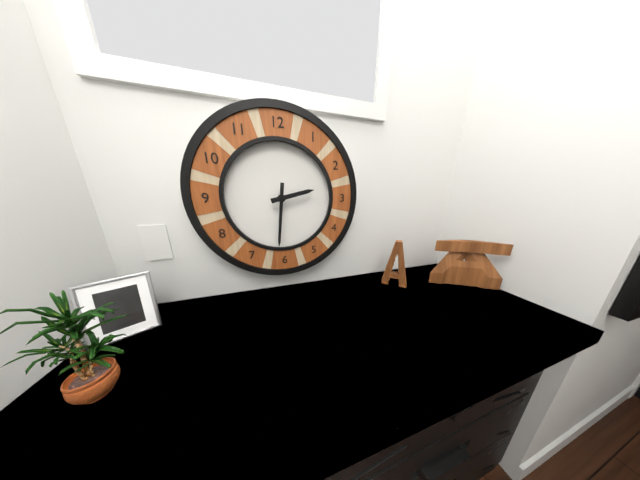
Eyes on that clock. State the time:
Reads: 2:31
